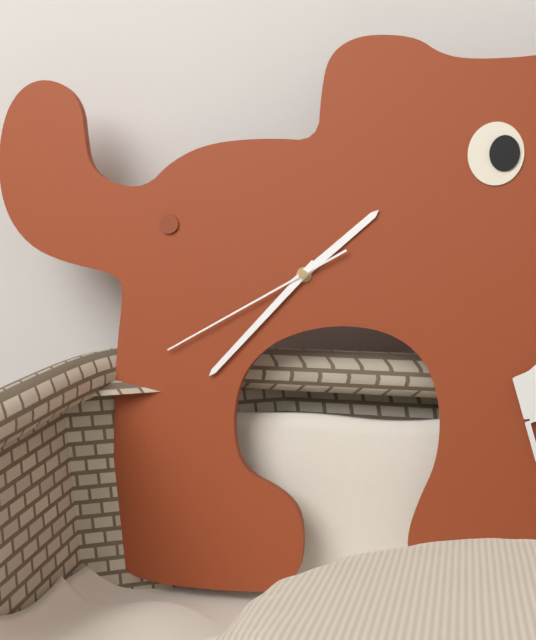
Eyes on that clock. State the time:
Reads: 1:37:40
